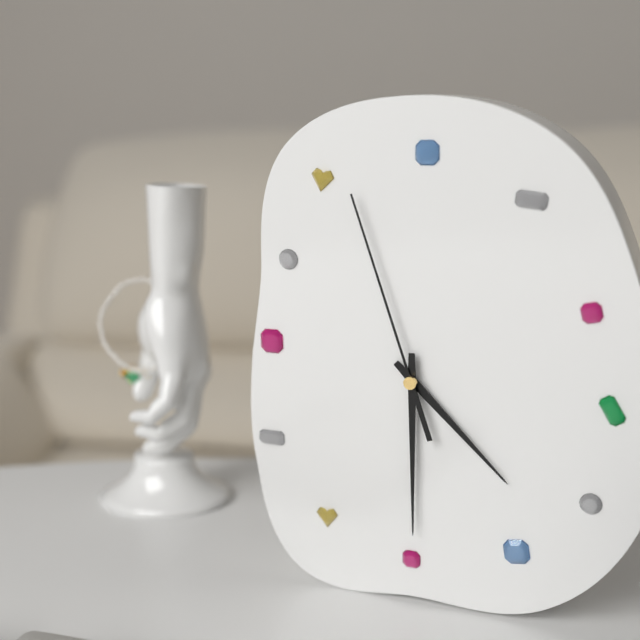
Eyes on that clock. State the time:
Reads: 4:30:57
